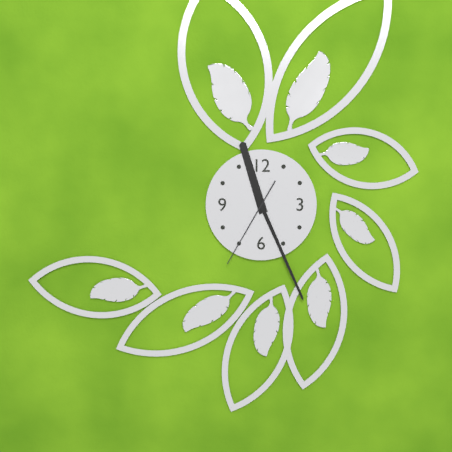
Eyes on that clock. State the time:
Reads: 11:26:35
